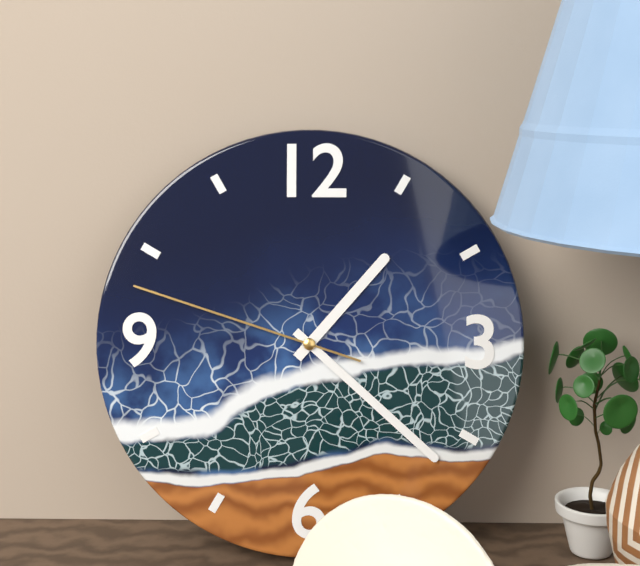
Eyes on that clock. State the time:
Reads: 1:22:48
